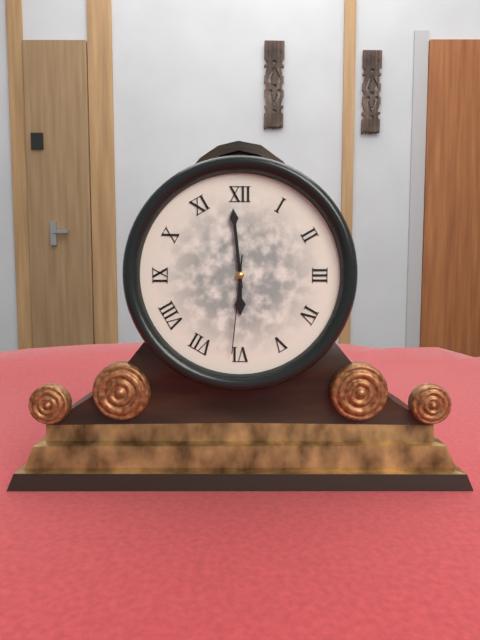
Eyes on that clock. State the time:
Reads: 5:59:31
